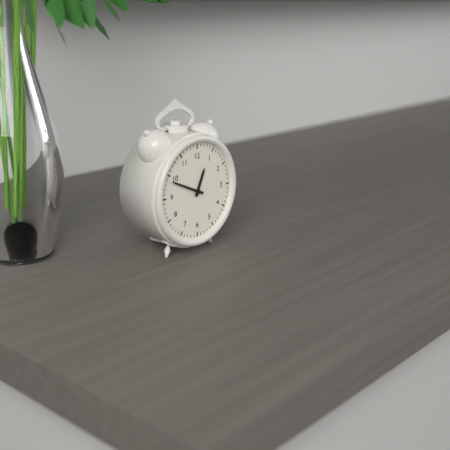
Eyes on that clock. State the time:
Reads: 12:49
